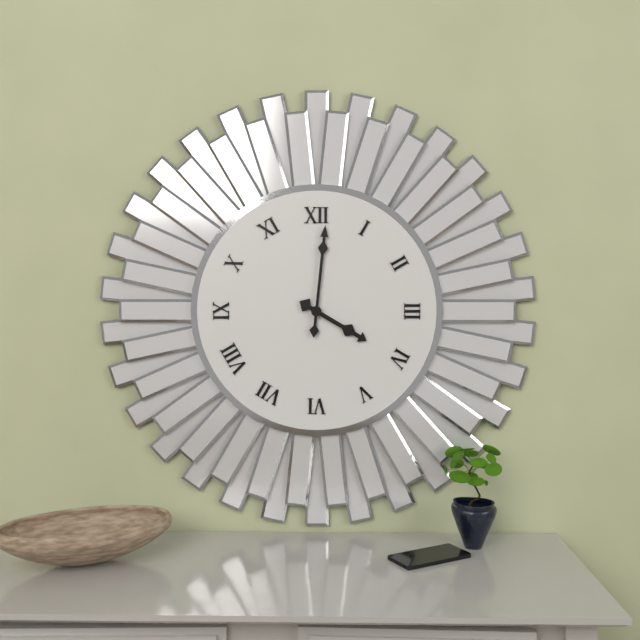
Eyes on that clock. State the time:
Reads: 4:01
